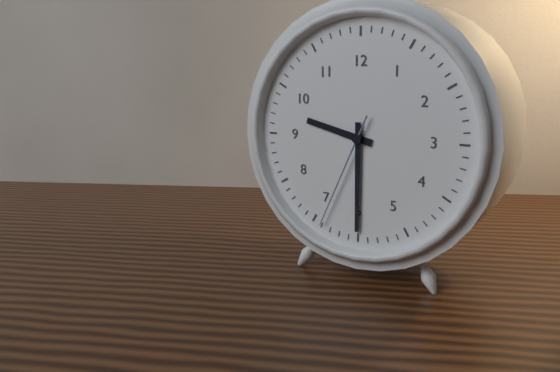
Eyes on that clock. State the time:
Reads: 9:30:34
